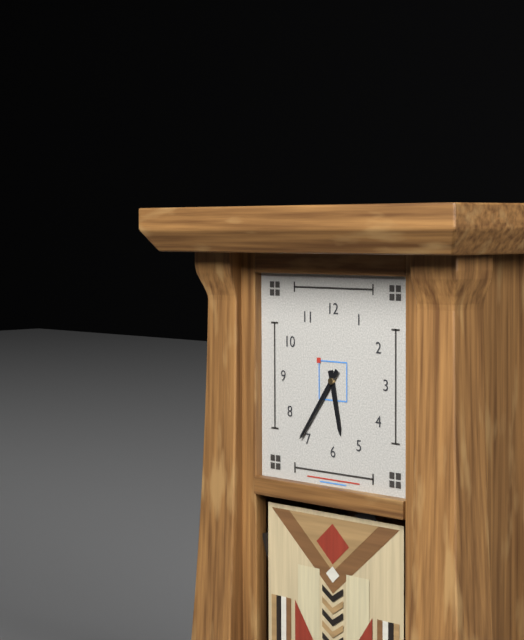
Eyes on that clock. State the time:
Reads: 5:36
